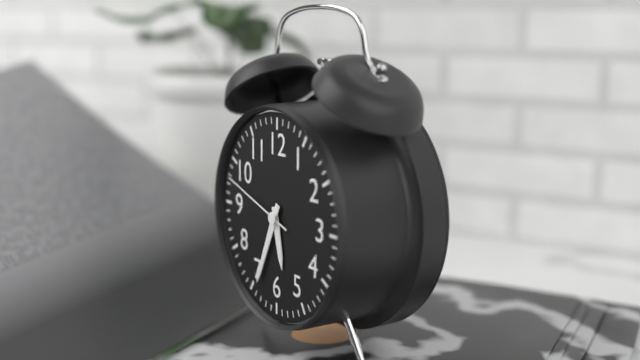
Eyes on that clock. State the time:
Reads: 5:34:48
